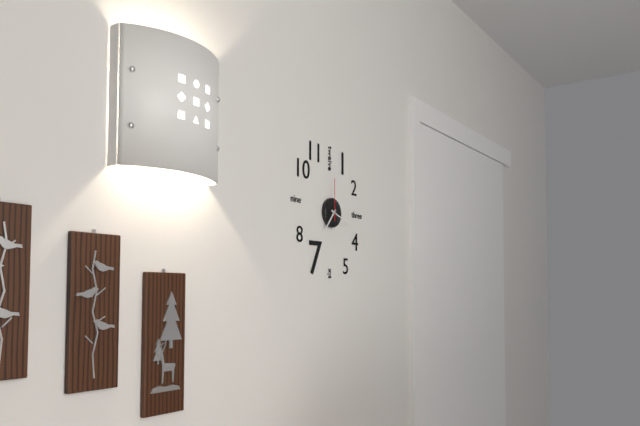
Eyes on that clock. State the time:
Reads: 7:18
